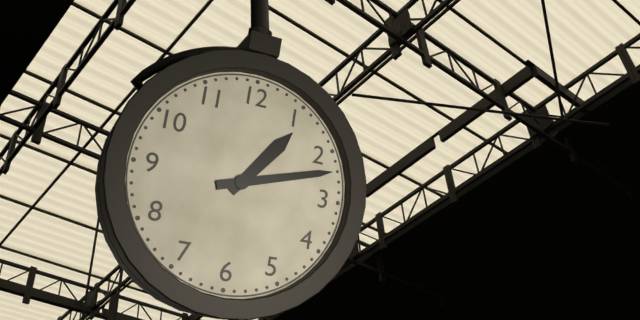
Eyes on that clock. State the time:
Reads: 1:12
